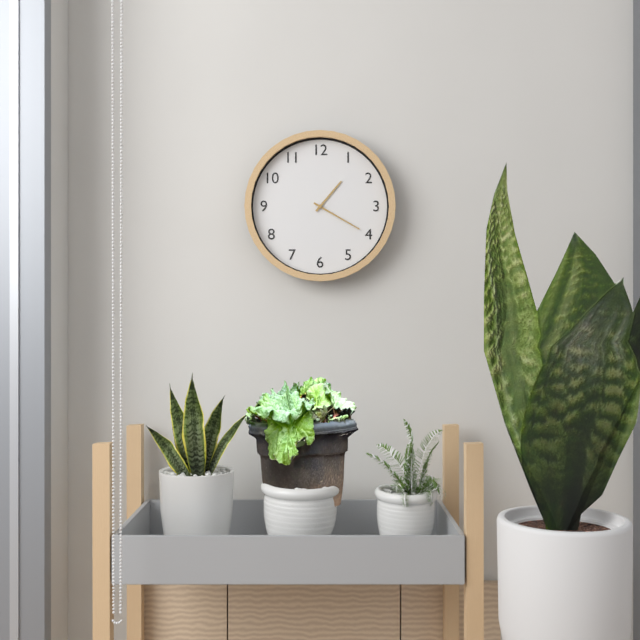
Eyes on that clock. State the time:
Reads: 1:20
